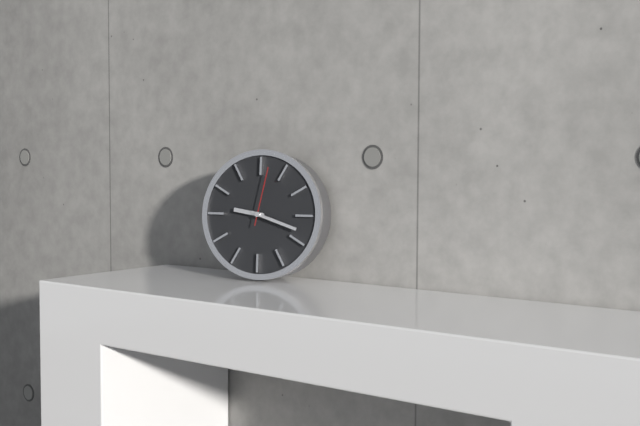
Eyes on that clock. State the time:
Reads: 9:18:02
